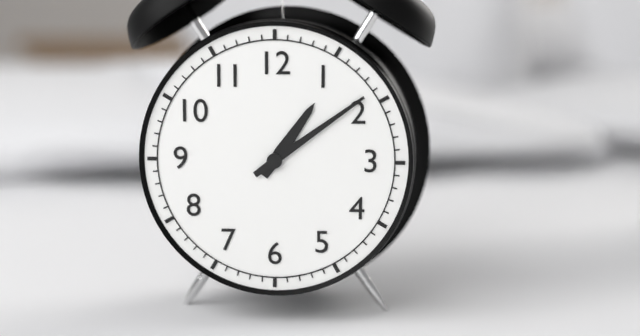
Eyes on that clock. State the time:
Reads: 1:09
